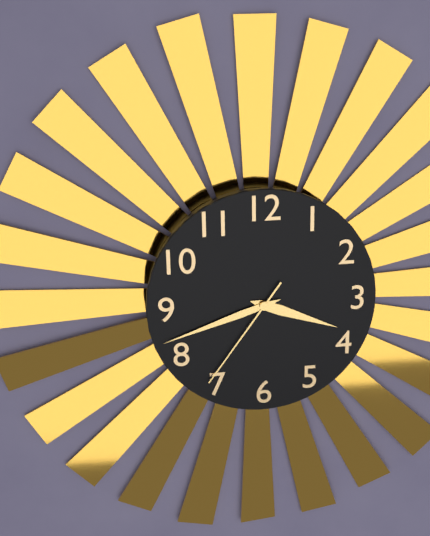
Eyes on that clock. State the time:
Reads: 3:42:36
